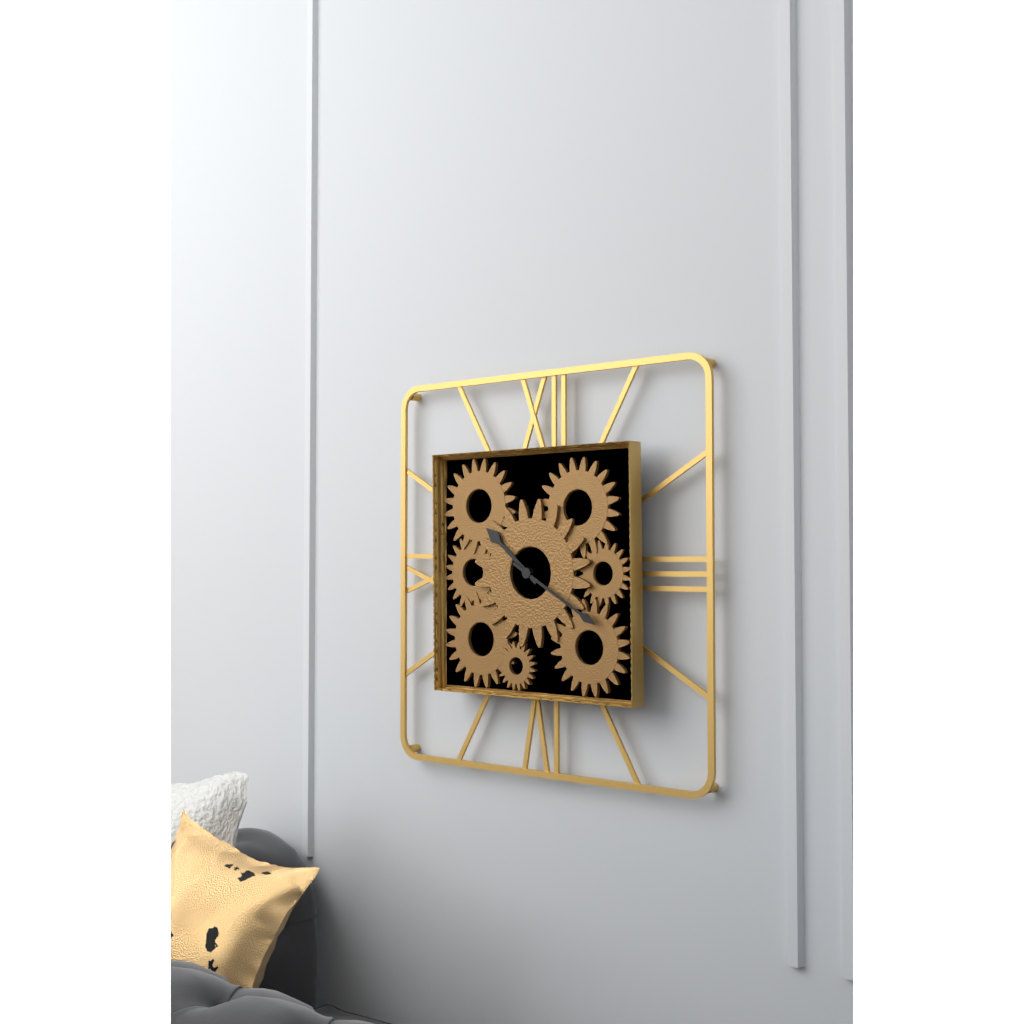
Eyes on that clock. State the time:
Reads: 10:20
